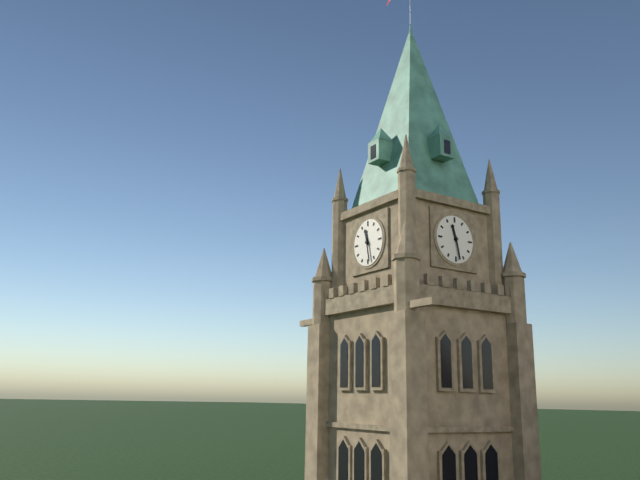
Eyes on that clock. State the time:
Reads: 11:28
